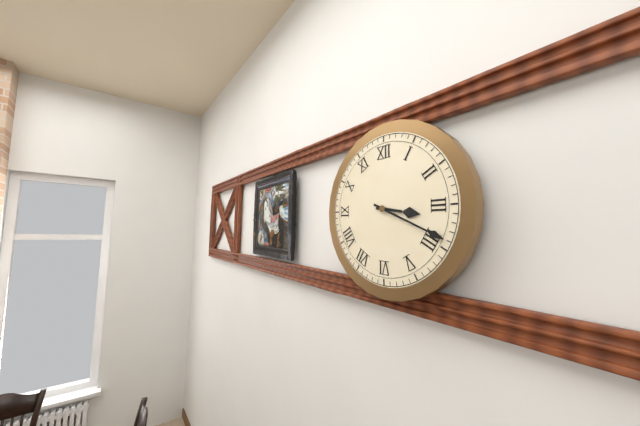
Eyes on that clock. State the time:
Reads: 3:19
